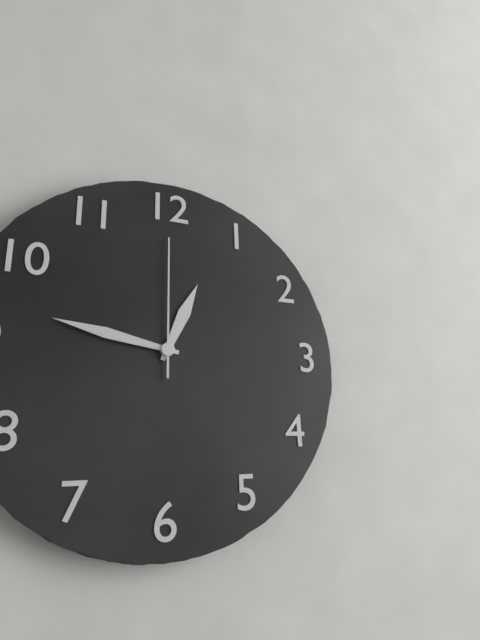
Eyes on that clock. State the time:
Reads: 12:47:00
